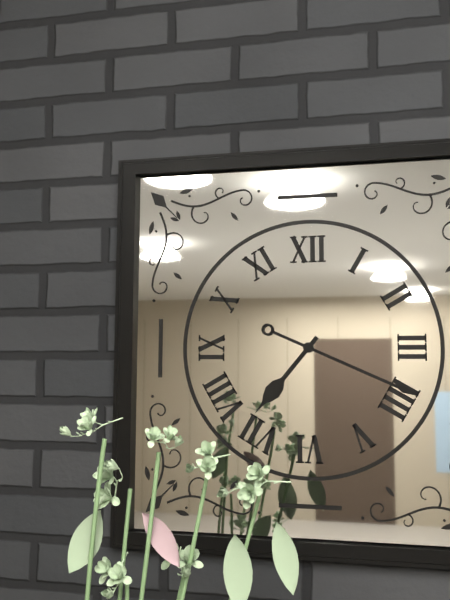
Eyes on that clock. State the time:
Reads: 7:19
